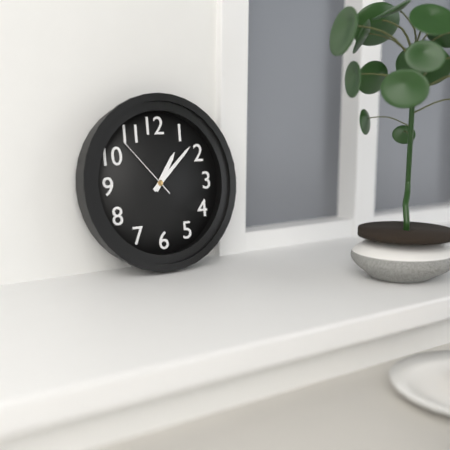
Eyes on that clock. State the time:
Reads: 1:08:53
